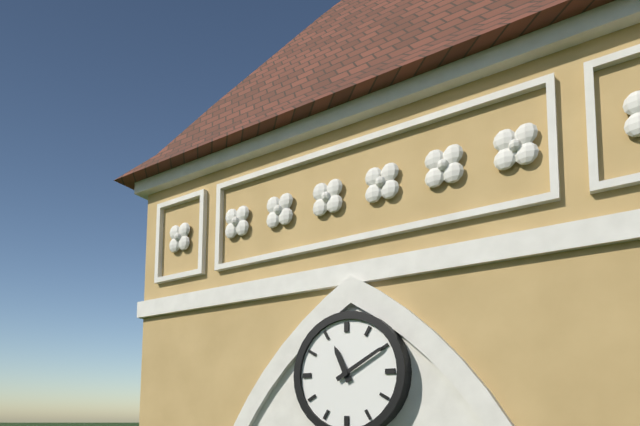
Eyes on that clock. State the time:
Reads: 11:10
